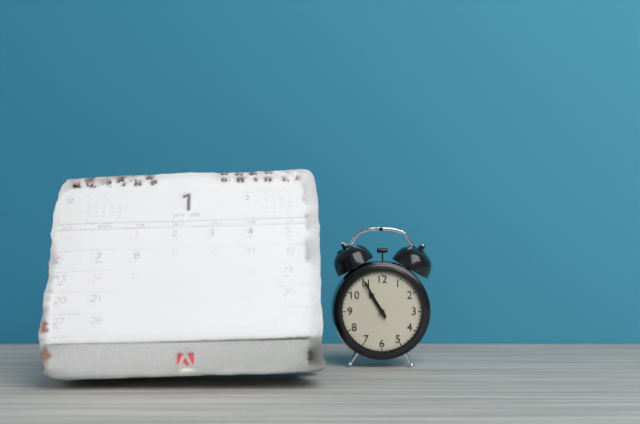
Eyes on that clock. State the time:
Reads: 10:55
